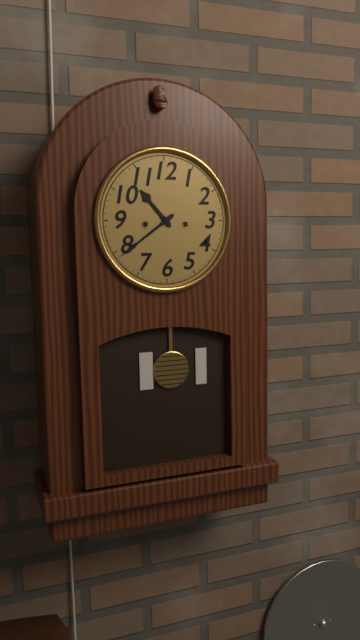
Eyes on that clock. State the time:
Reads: 10:39
